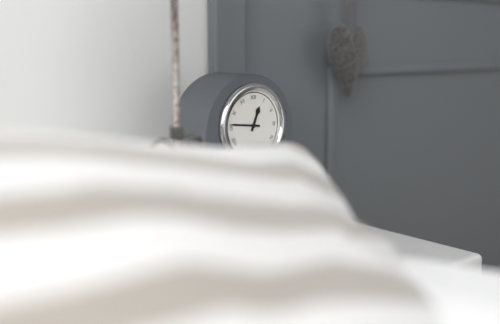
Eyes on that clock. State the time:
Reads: 12:46
